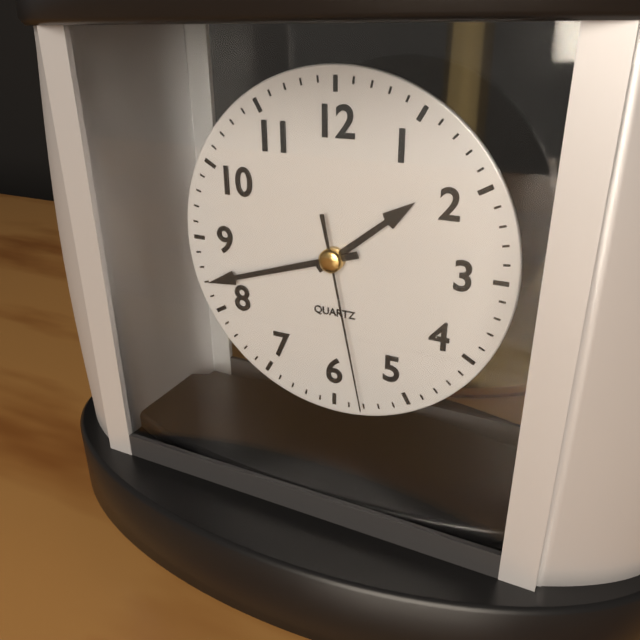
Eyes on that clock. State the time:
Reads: 1:42:28
